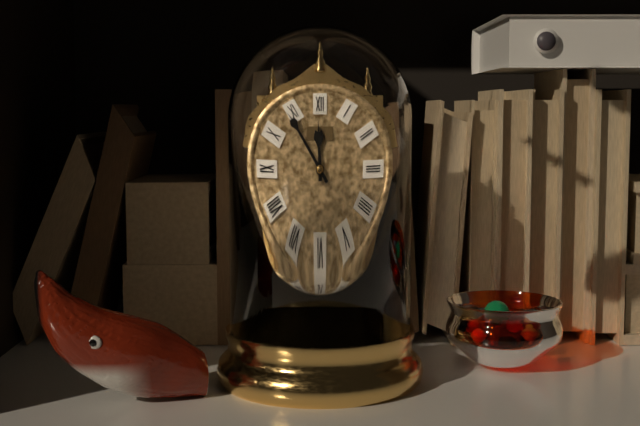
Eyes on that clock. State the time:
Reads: 11:54
